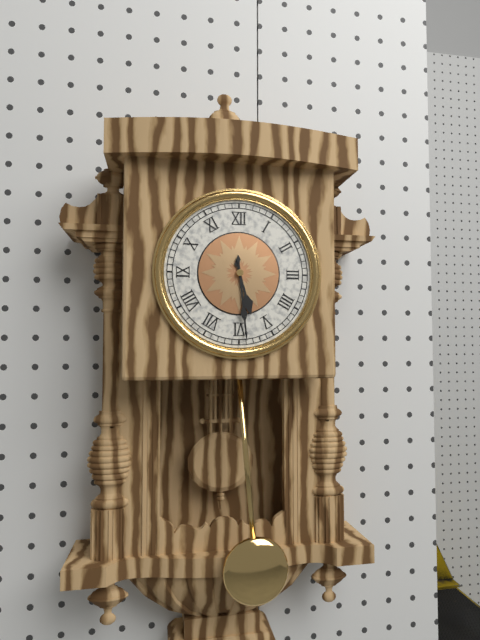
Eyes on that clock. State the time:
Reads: 5:29
